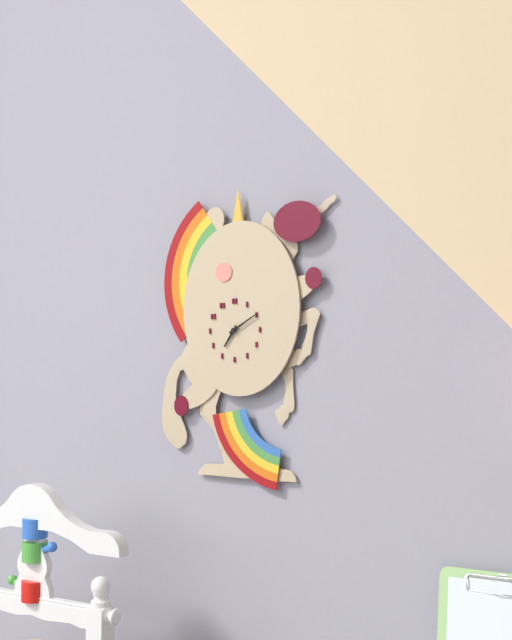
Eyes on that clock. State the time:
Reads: 7:10
